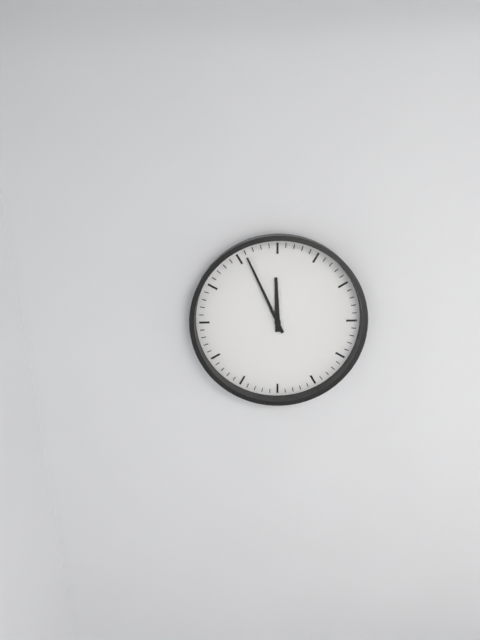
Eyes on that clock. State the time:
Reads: 11:56
